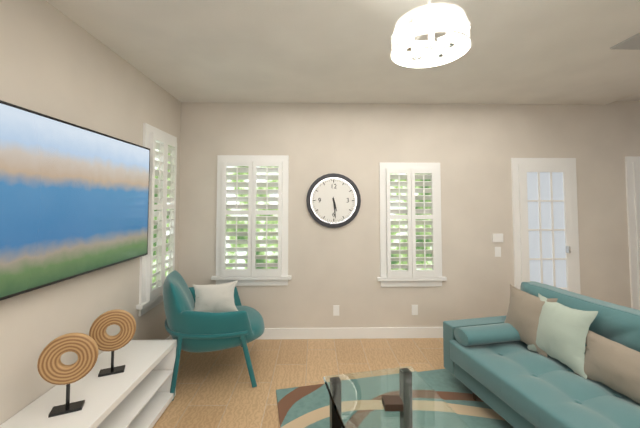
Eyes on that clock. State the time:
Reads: 5:29
